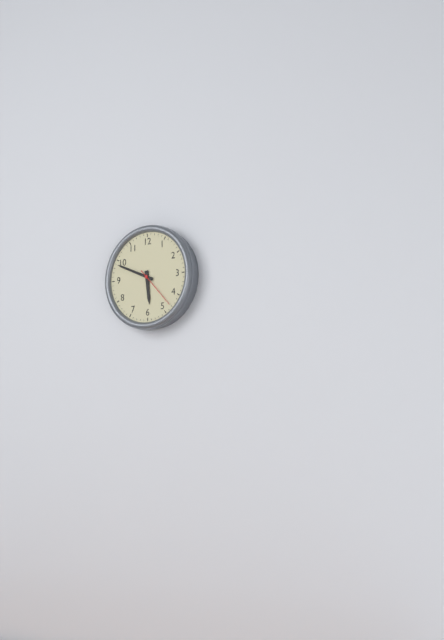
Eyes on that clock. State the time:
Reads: 5:49
